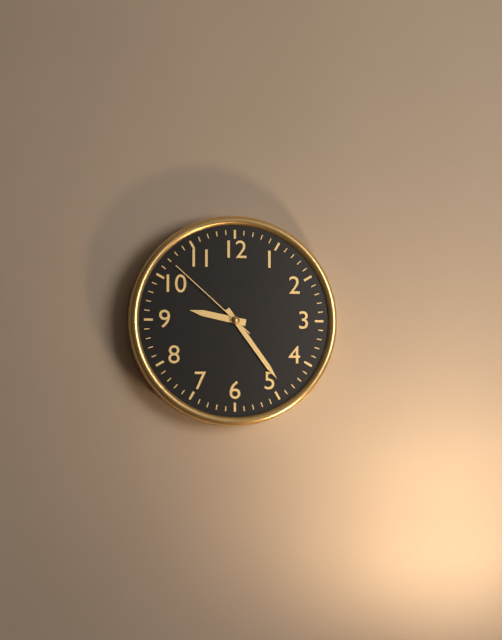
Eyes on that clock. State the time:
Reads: 9:24:52
